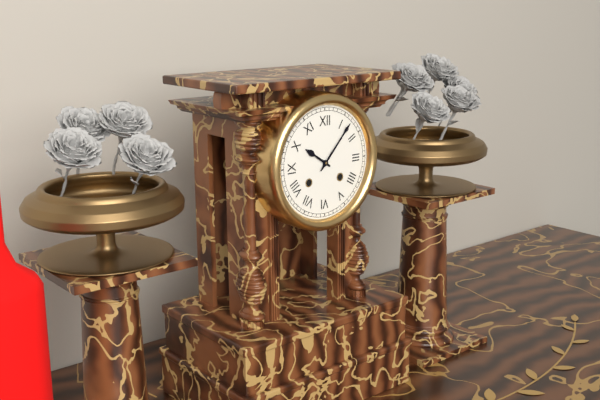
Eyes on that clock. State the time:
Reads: 10:07
